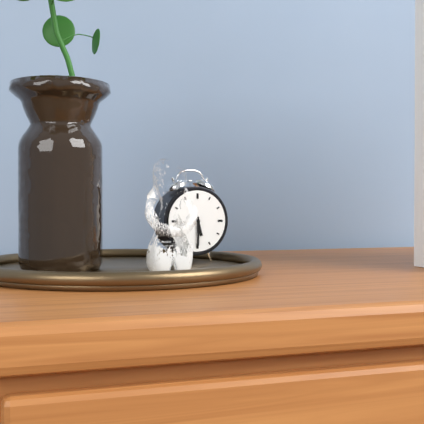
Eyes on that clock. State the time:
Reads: 5:30
